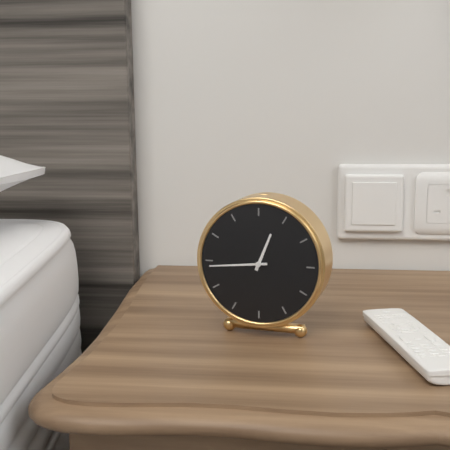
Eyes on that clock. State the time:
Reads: 12:44
